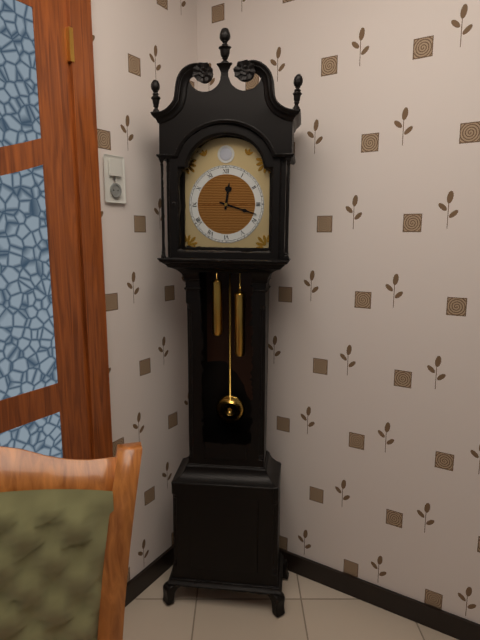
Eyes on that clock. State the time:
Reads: 12:18
